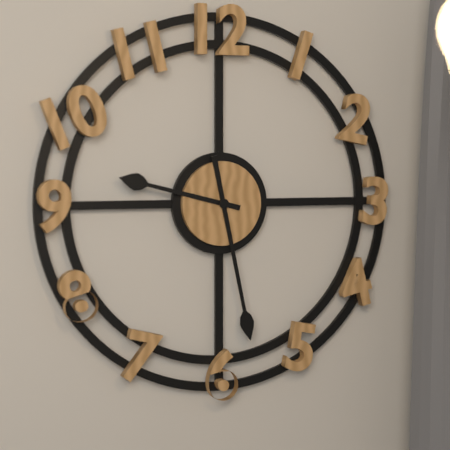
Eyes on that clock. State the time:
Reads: 9:28
